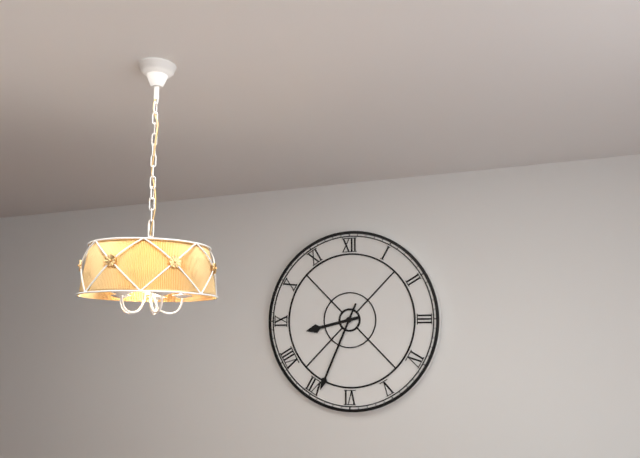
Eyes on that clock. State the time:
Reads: 8:34
